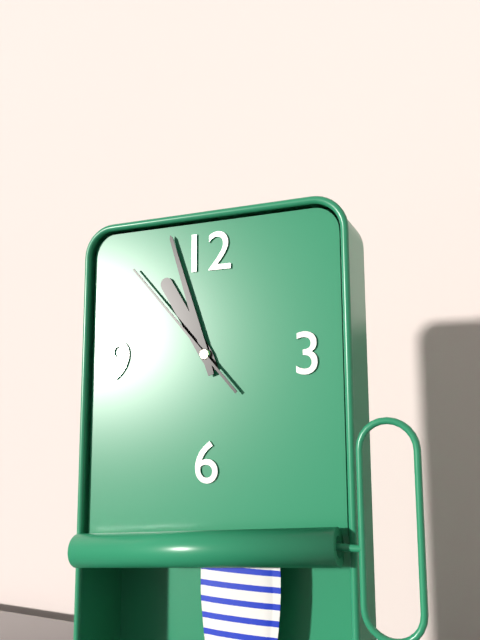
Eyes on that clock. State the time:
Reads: 10:57:53
